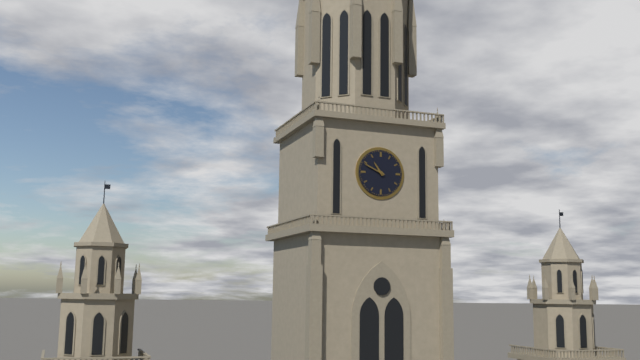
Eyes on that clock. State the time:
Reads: 10:49
